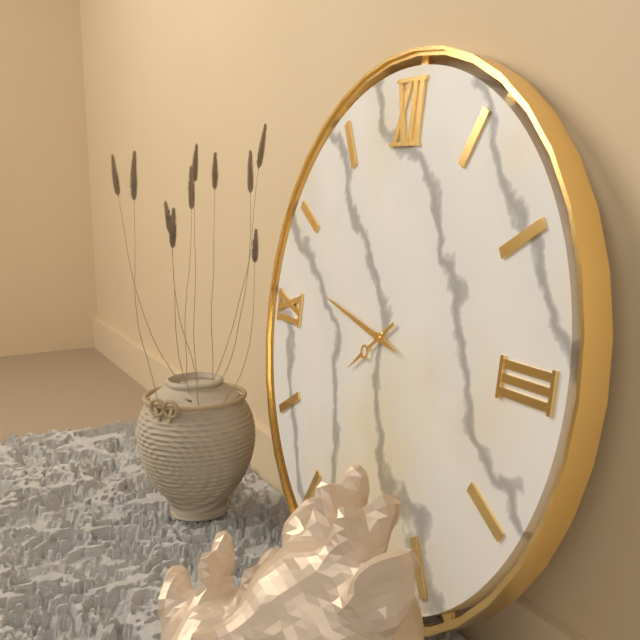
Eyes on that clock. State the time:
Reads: 7:47
